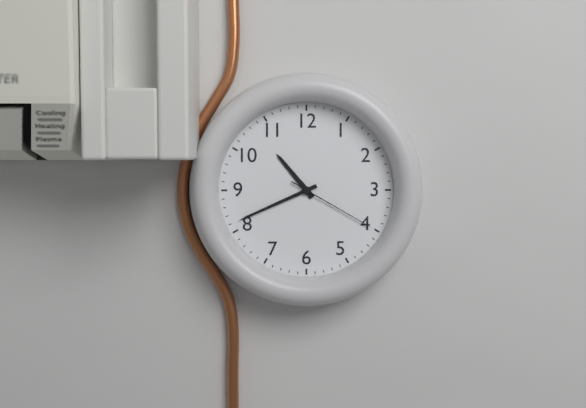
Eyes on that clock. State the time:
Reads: 10:41:20
